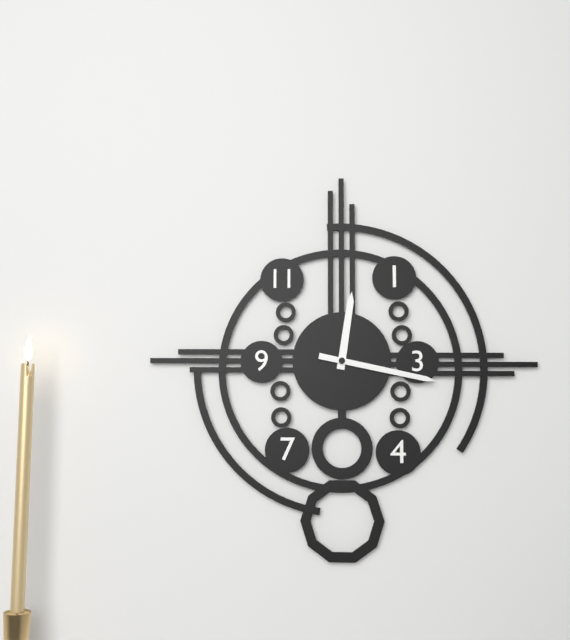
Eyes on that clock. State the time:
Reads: 12:17
